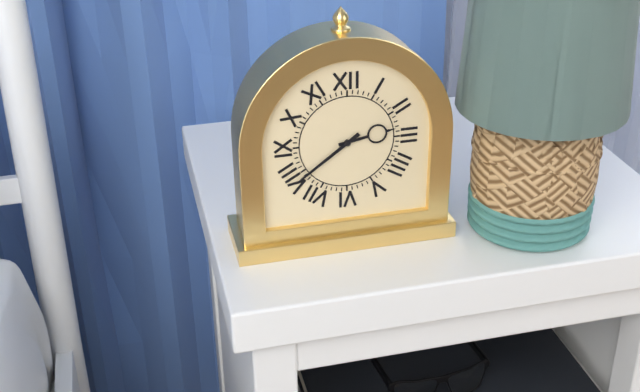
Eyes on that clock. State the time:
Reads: 2:39
